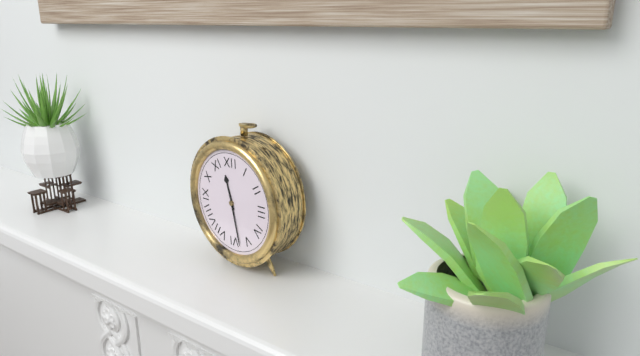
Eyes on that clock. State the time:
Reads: 11:28
